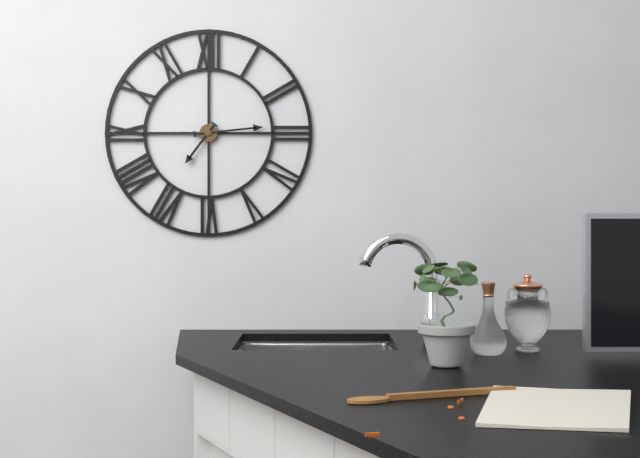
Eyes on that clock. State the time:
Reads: 7:14
